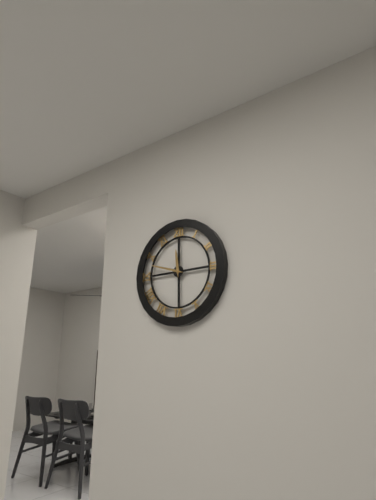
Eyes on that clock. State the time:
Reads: 11:48
